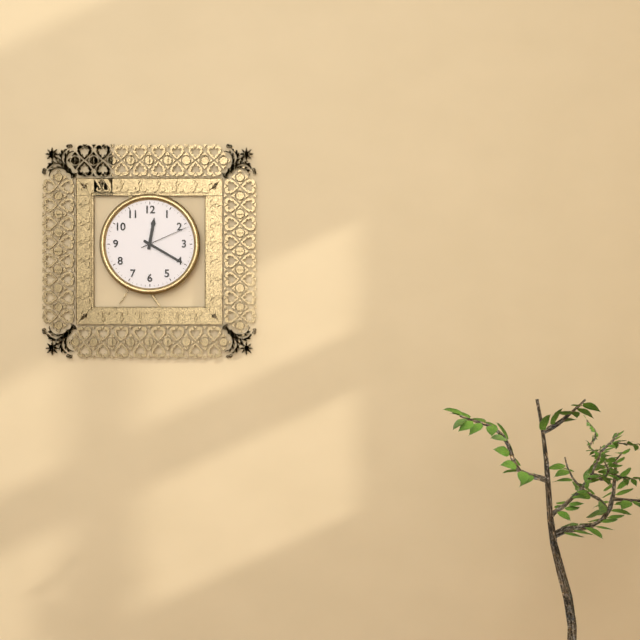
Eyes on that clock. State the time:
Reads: 12:20:11
